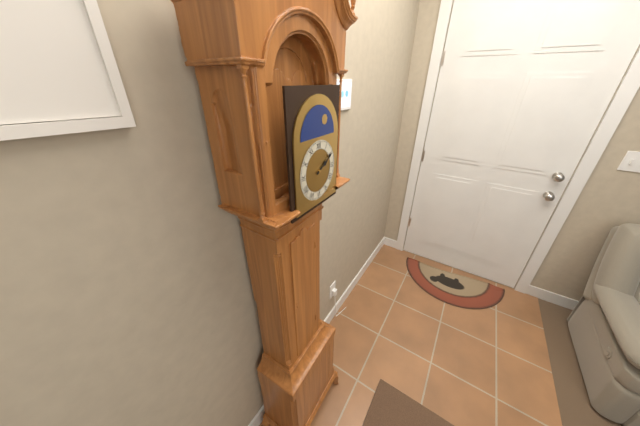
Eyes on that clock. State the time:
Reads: 2:10
